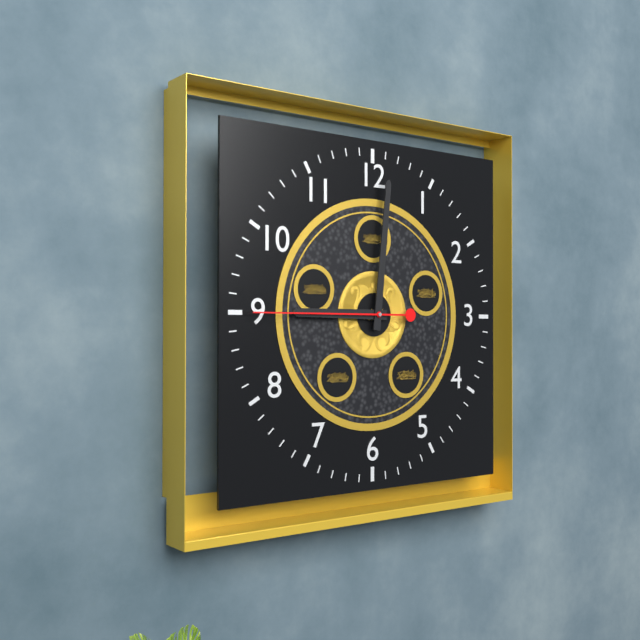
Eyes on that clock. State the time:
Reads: 9:01:45
